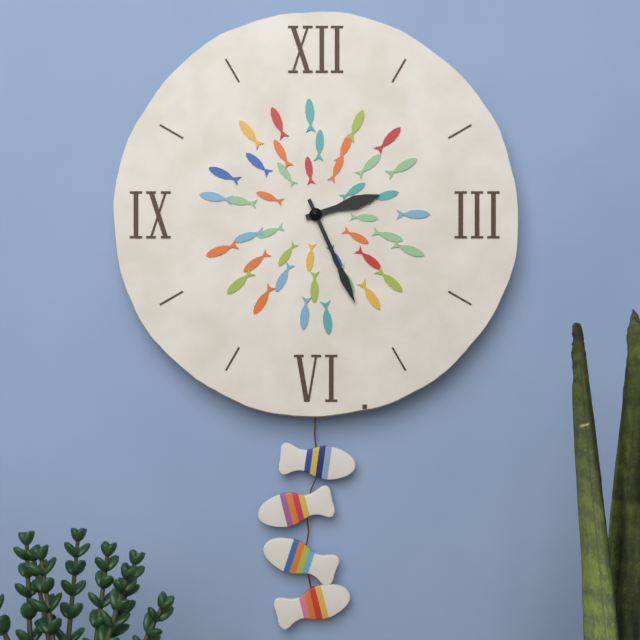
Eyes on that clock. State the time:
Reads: 2:26
